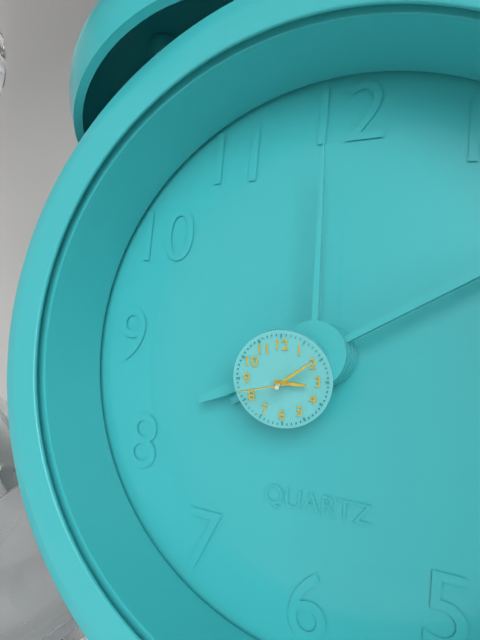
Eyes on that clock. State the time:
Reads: 3:09:43
